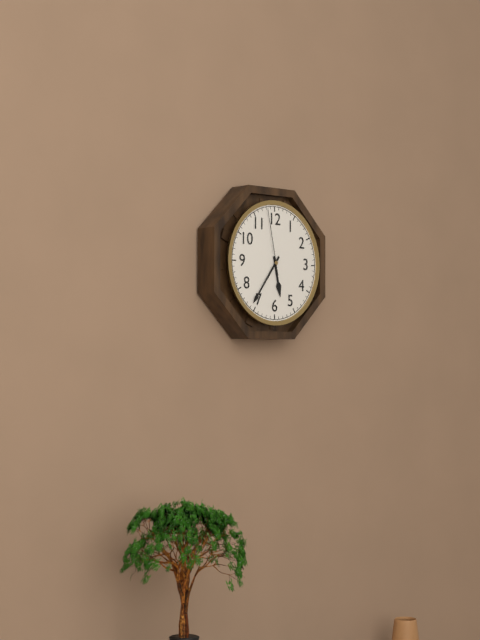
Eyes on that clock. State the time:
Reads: 5:36:58
